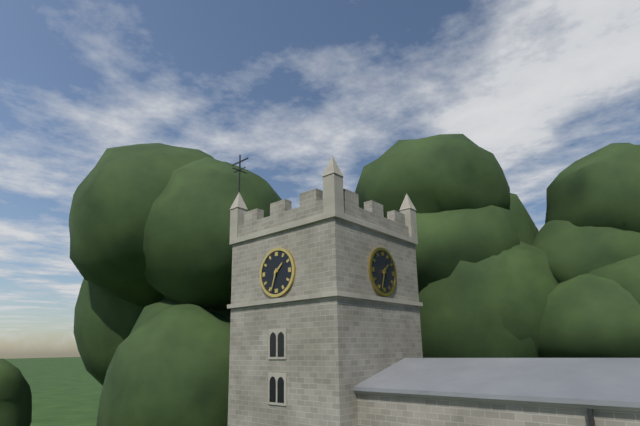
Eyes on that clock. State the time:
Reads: 1:33
